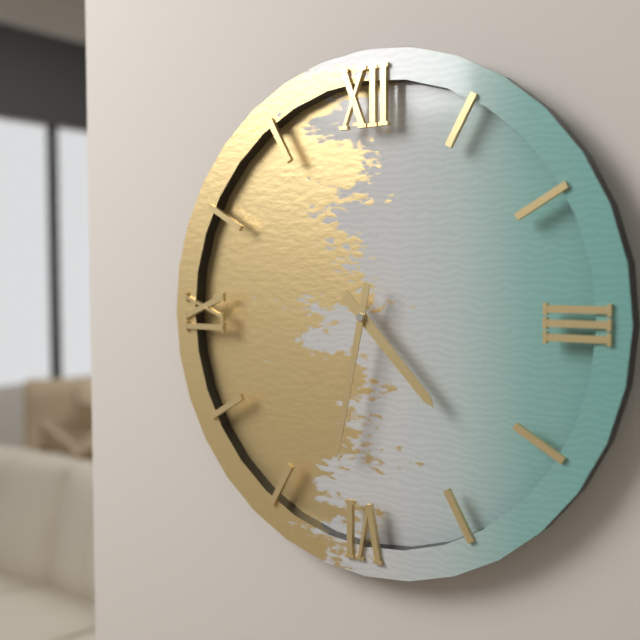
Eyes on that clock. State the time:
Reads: 4:32
